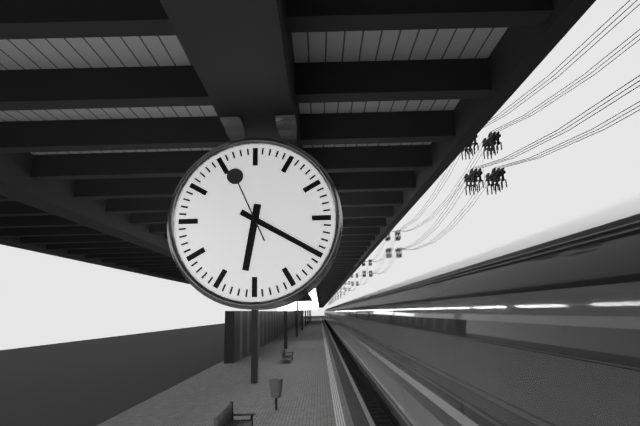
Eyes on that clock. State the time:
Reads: 6:20:56
